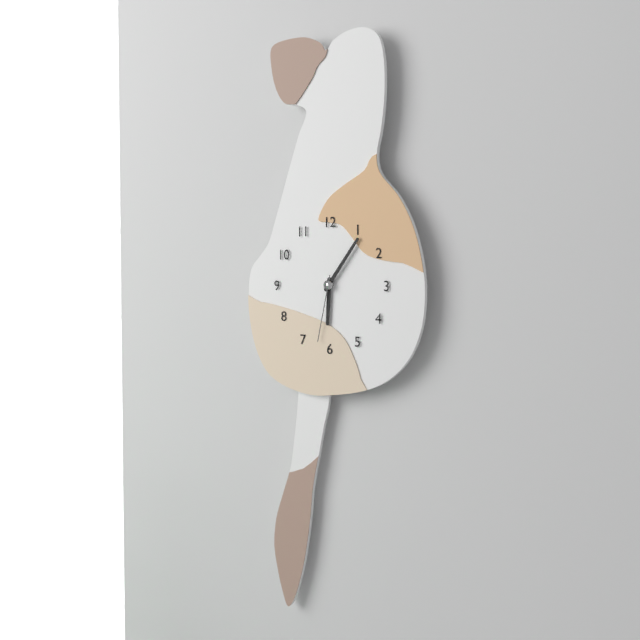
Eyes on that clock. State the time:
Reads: 6:06:32
